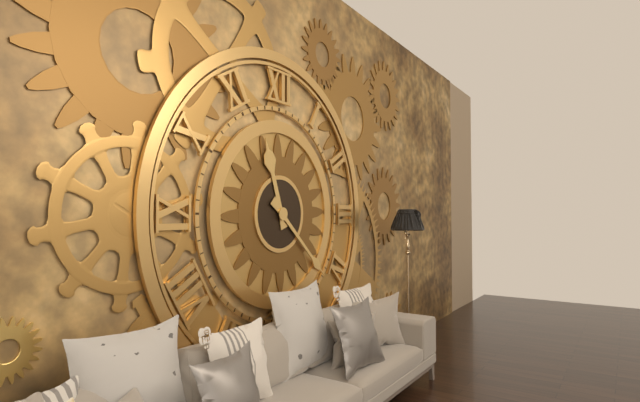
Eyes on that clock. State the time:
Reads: 11:22
